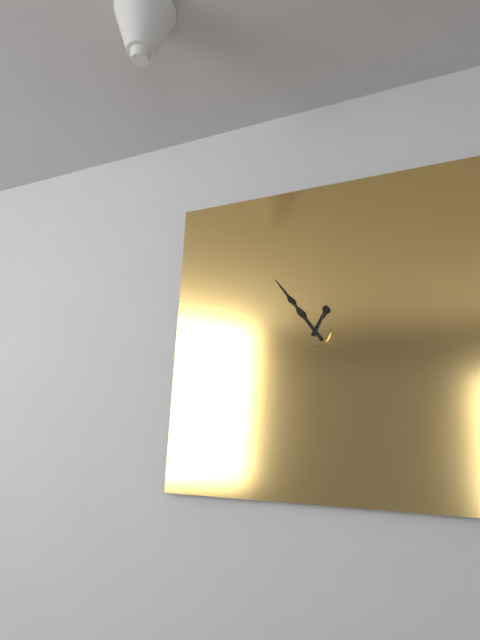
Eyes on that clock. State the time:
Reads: 12:54
